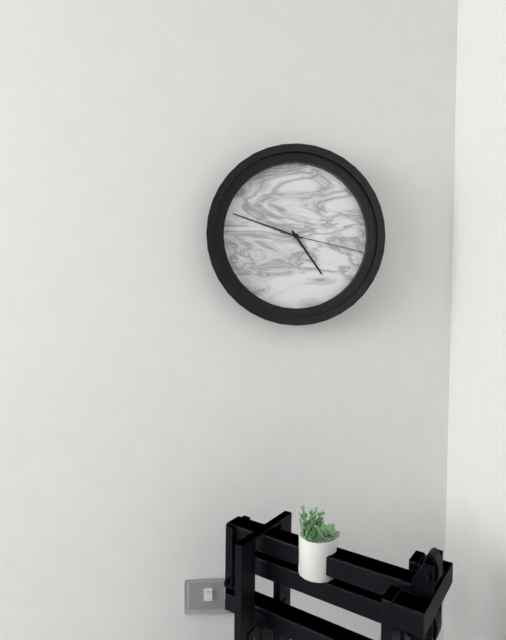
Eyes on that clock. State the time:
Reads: 4:48:17
